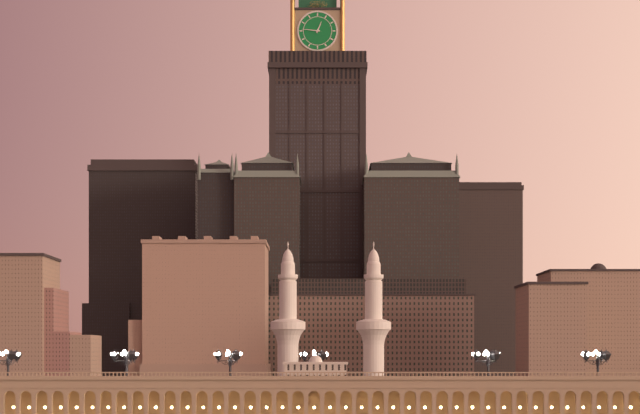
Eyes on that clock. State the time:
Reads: 12:46
